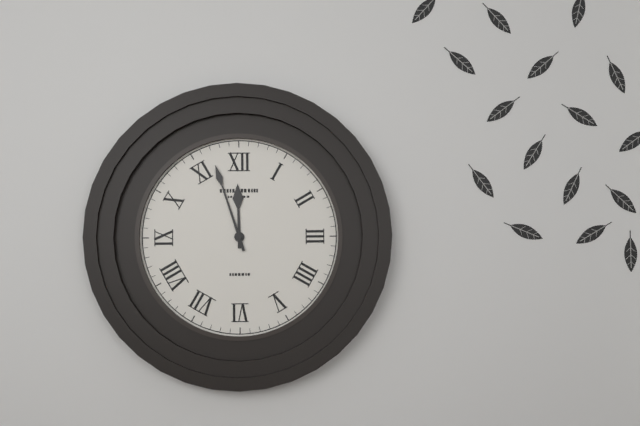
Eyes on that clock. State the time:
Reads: 11:57
